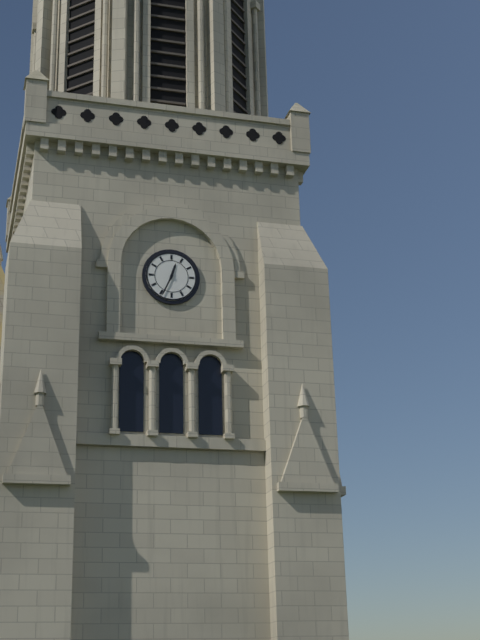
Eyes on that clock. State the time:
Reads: 12:34
